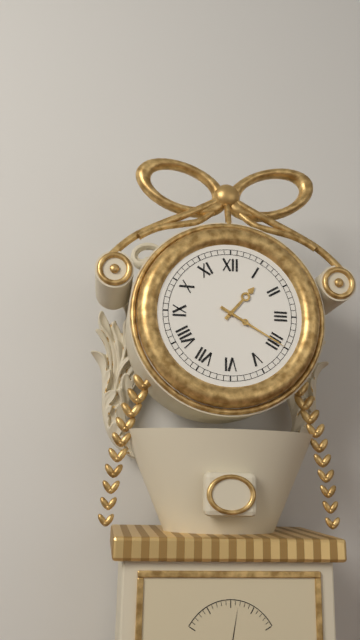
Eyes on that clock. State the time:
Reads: 1:20
